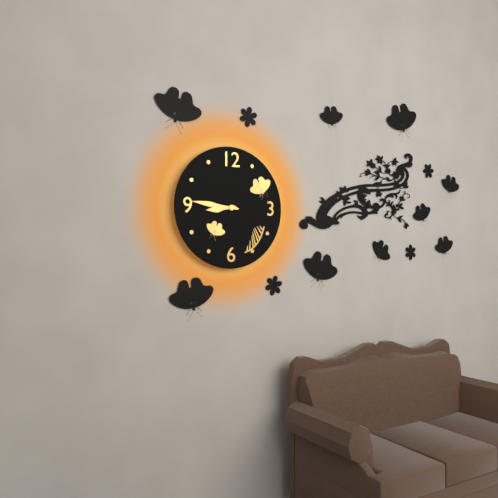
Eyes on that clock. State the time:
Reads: 8:46
